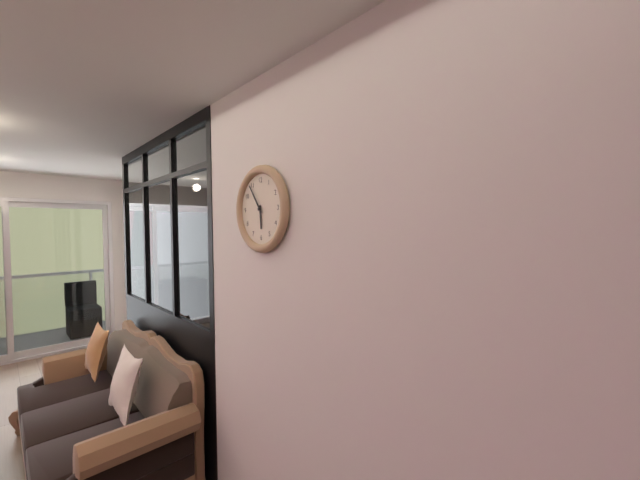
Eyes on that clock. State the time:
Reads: 5:54
